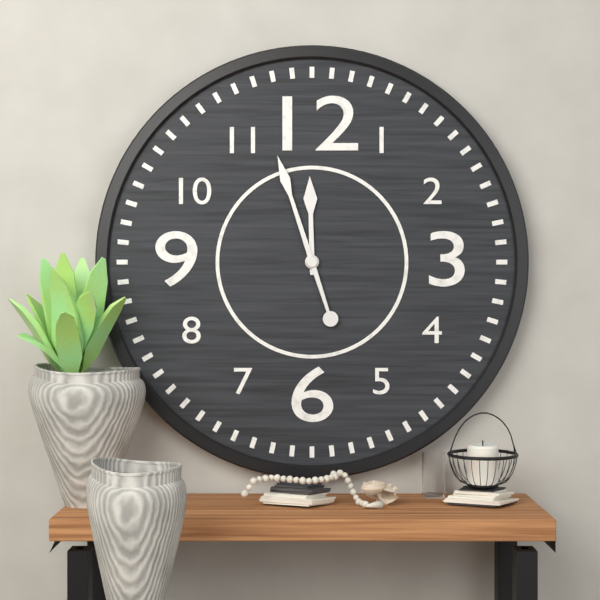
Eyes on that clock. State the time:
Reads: 11:57
